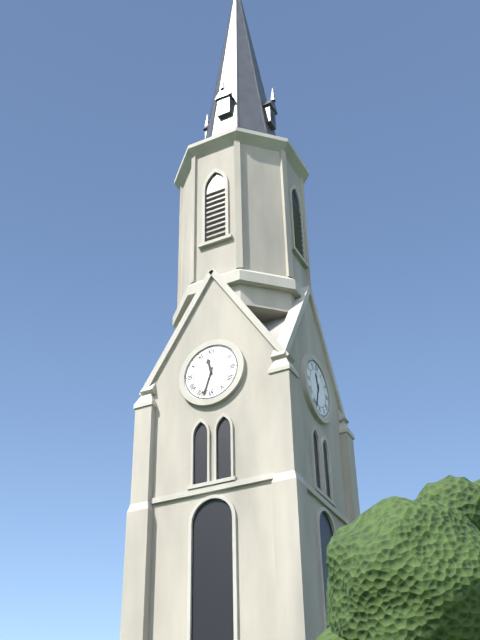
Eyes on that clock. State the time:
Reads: 11:33
